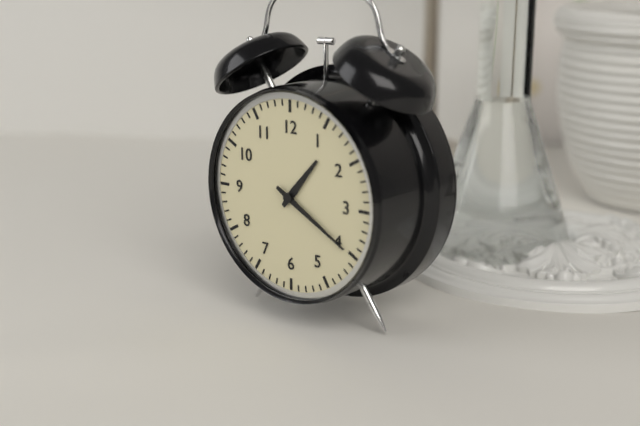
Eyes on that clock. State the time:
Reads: 1:20
